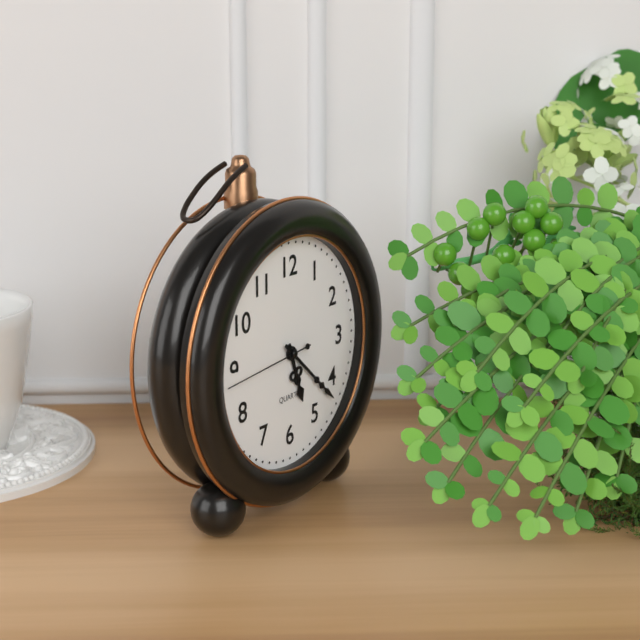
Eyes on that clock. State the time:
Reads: 5:22:44
